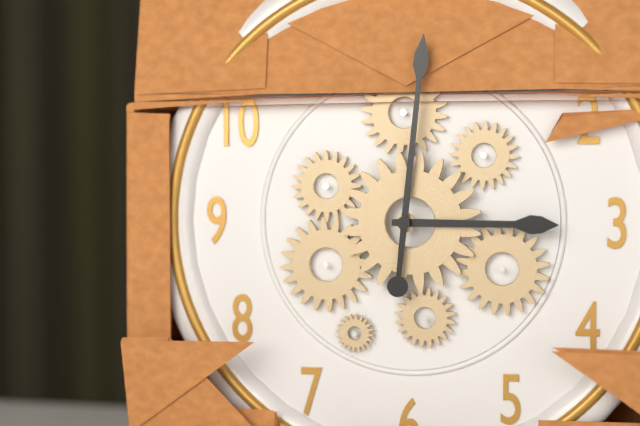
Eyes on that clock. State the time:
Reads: 3:01
